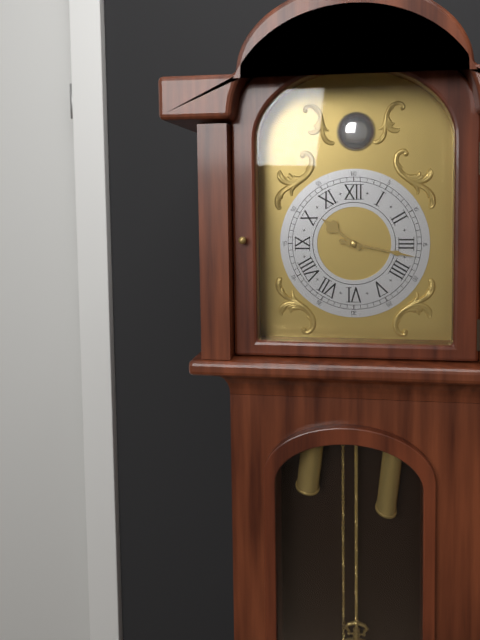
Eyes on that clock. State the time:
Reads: 10:17
